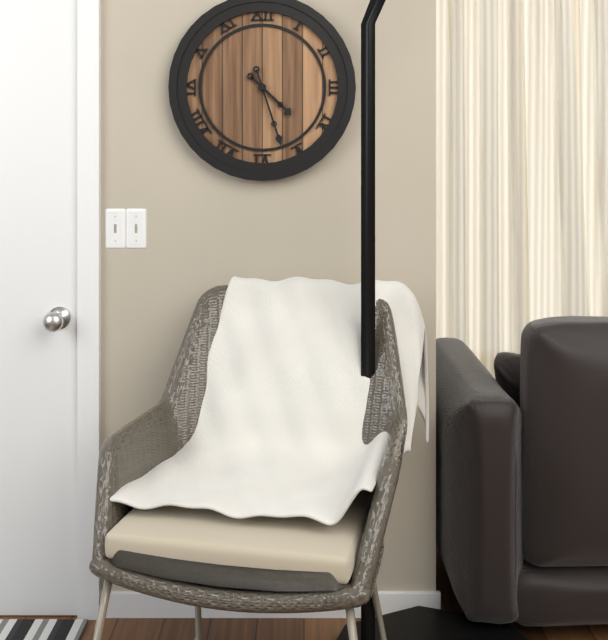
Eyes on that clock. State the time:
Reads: 4:27
